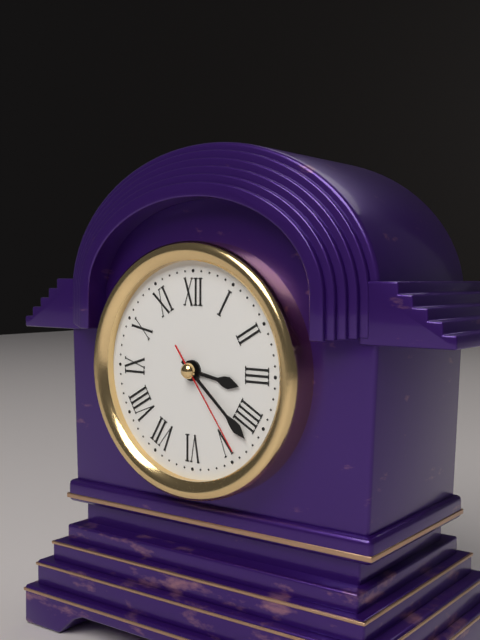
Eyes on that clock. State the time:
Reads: 3:22:24
